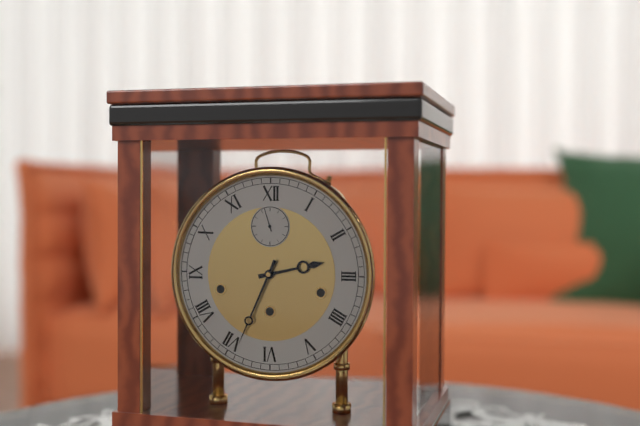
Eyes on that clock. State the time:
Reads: 2:34
